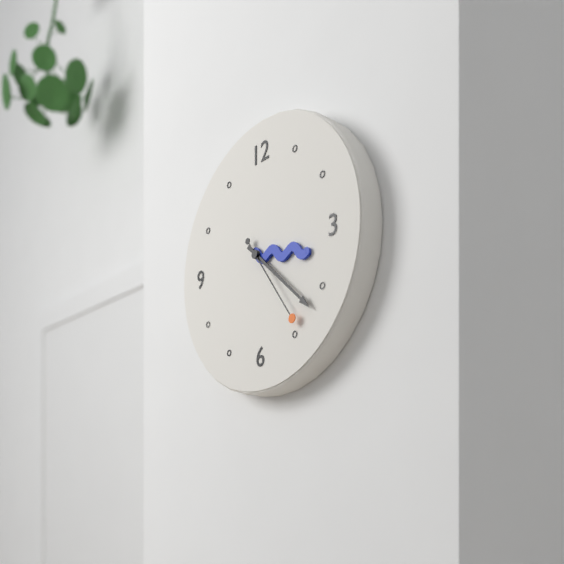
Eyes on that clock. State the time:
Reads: 3:22:24
